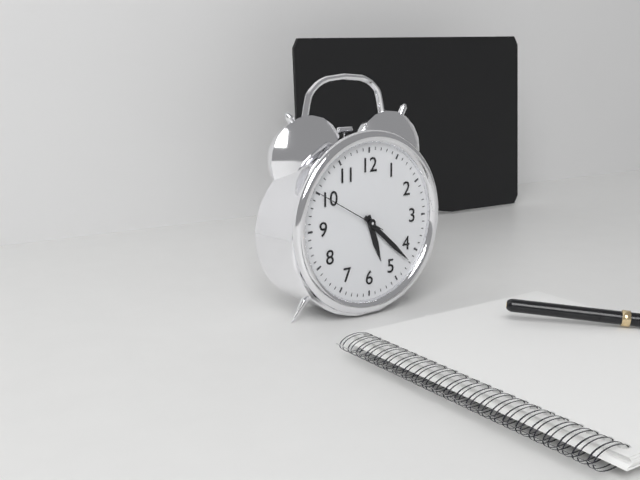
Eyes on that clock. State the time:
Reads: 5:22:50
